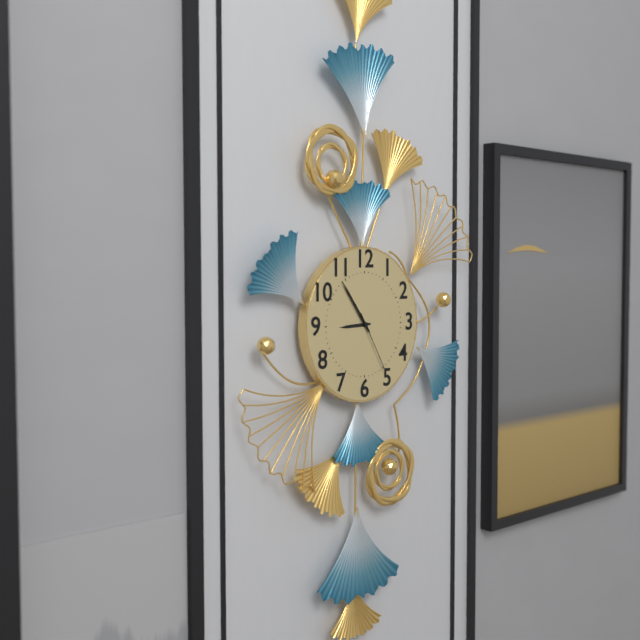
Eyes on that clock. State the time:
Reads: 8:54:25
